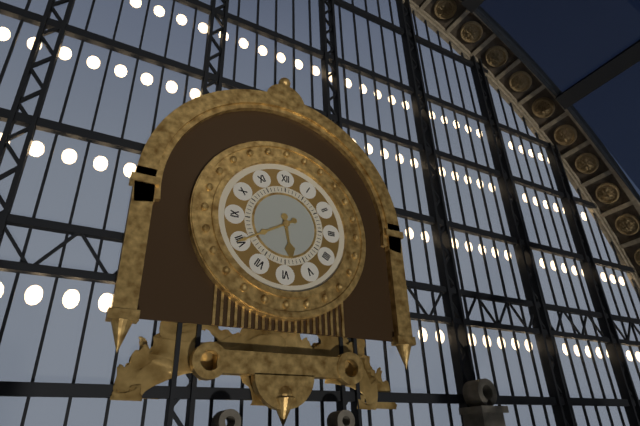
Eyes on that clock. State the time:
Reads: 5:40
